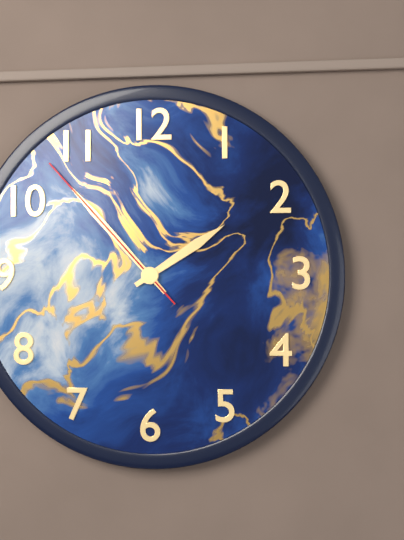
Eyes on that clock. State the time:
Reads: 1:53:53
